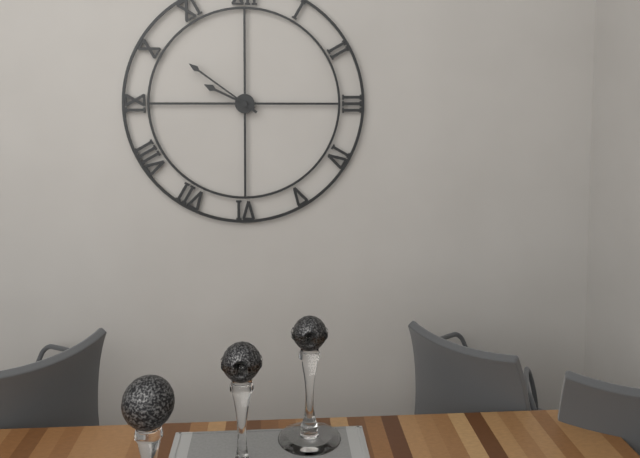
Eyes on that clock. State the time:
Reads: 9:51
